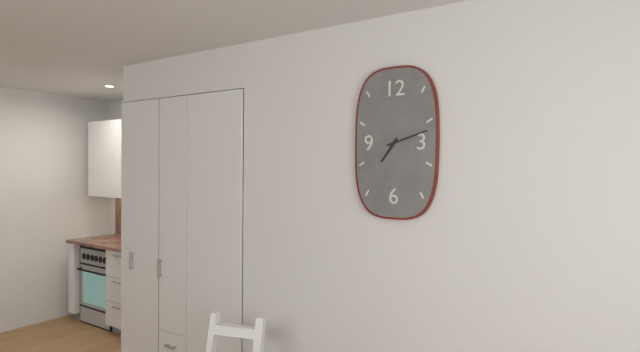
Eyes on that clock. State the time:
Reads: 7:12
